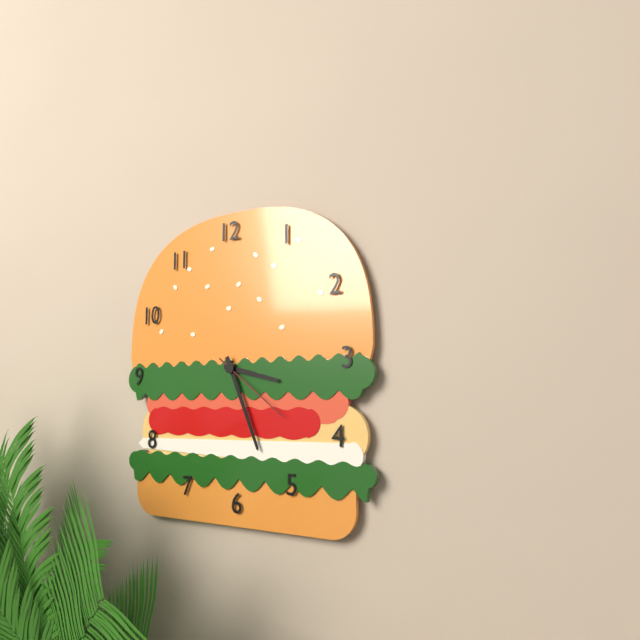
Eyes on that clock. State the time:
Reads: 3:26:21
